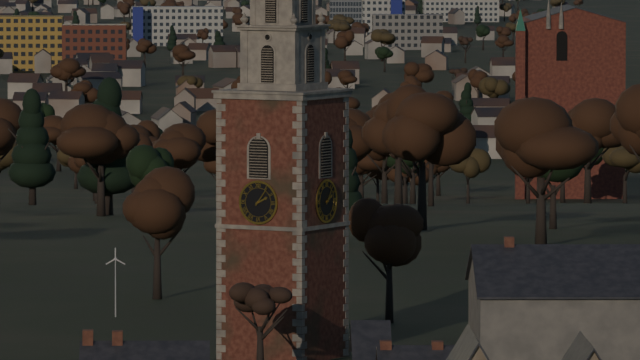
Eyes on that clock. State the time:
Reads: 2:06
